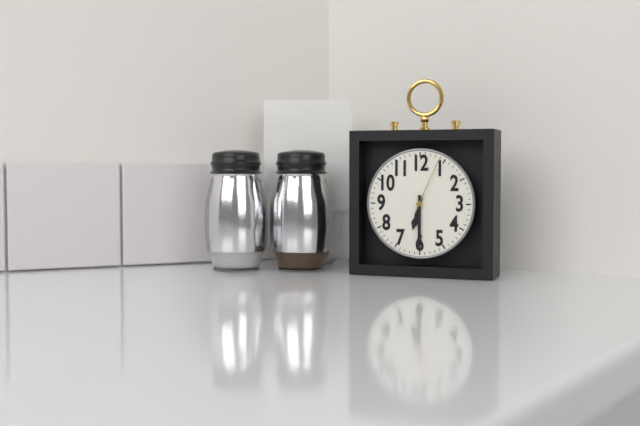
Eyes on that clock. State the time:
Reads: 6:30:04
